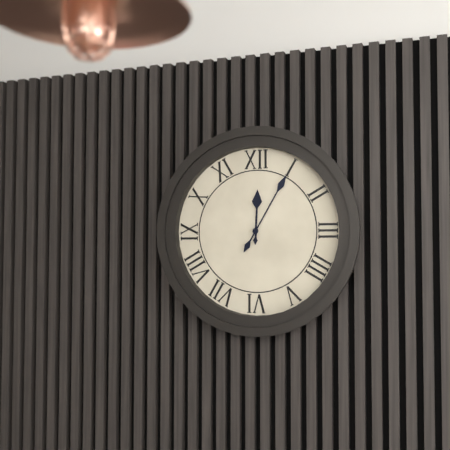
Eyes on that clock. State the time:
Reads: 12:05
